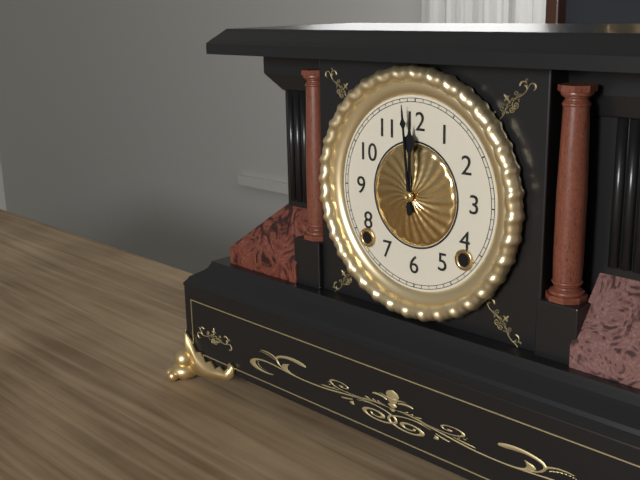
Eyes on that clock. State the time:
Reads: 11:59
